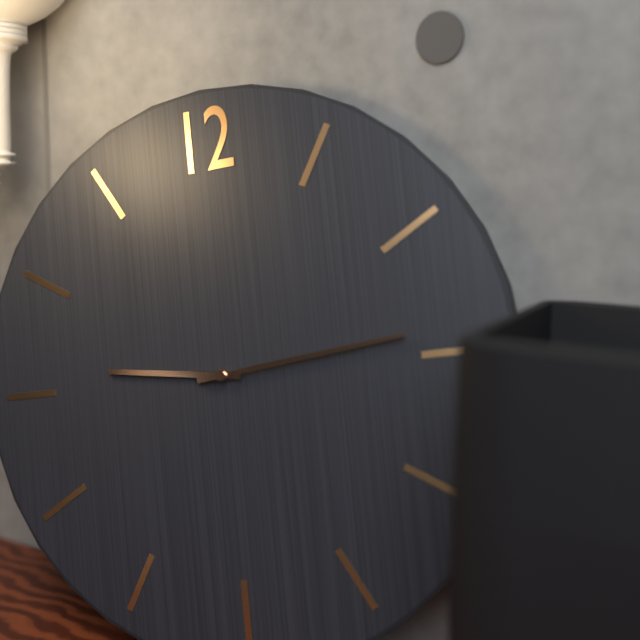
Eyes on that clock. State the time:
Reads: 9:14
